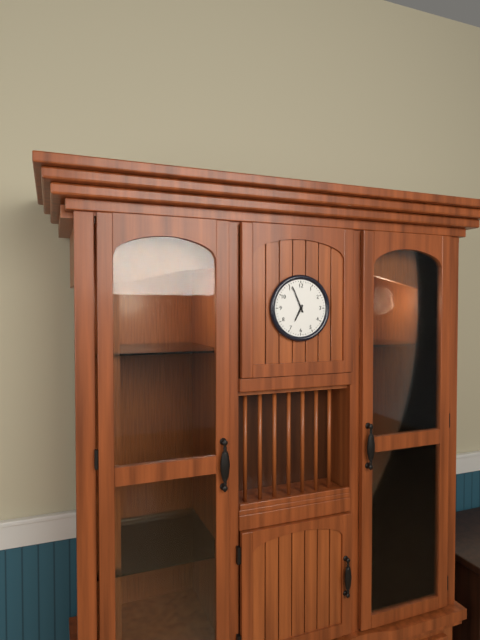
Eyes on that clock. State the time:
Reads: 6:56
